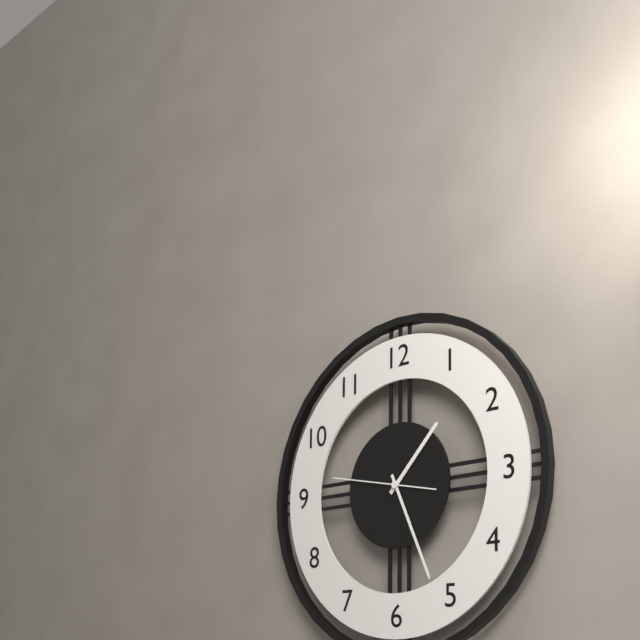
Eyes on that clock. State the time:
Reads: 1:26:47
